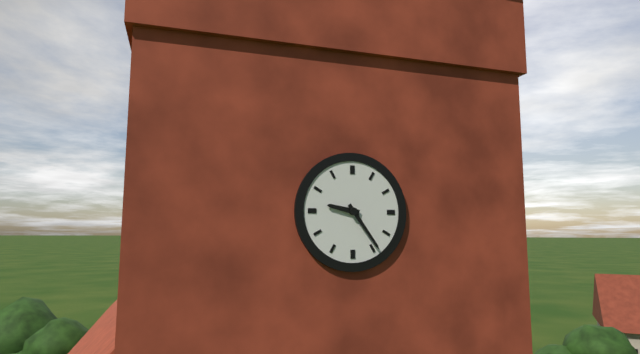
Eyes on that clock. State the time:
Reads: 9:24
